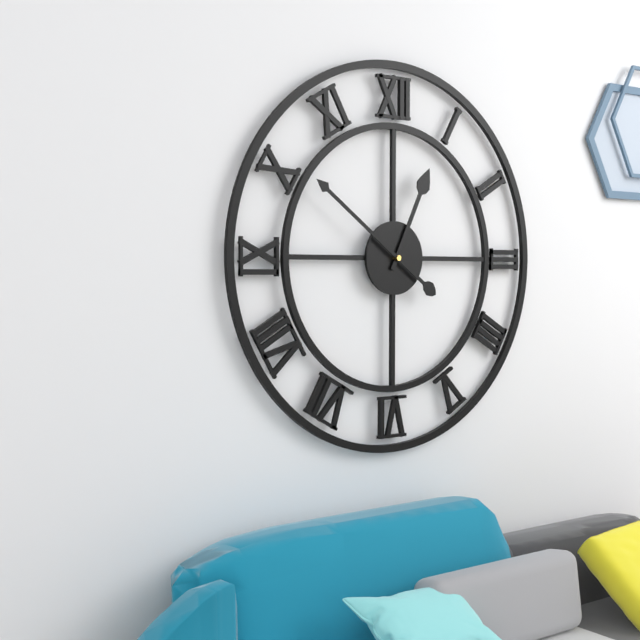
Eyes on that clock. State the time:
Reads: 12:51
